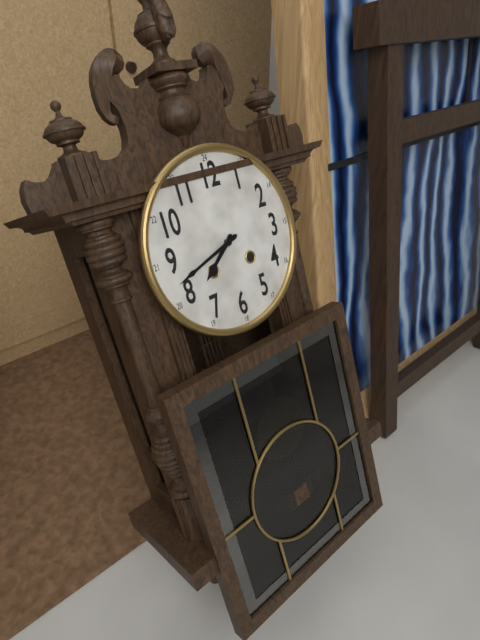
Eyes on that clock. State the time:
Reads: 7:42
